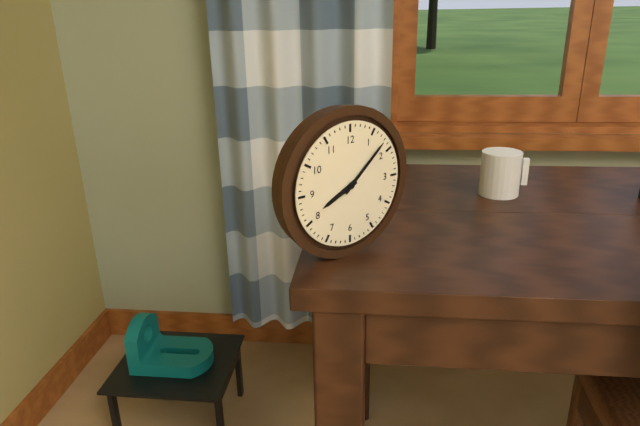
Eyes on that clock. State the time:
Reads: 8:08
